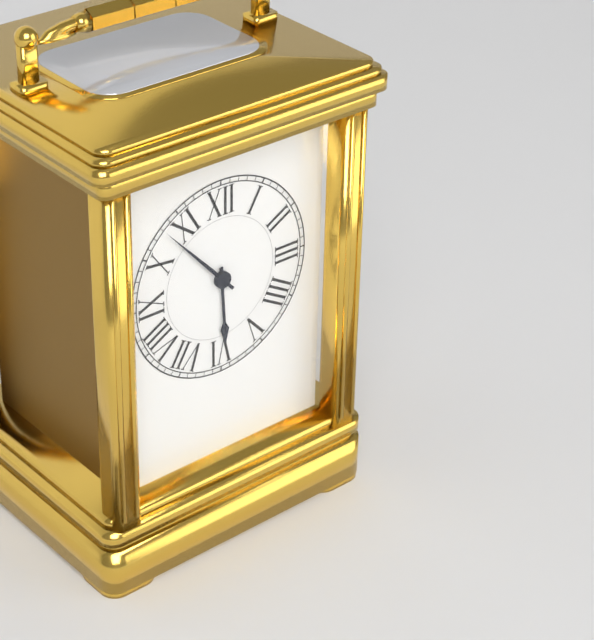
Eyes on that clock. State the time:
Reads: 5:53
